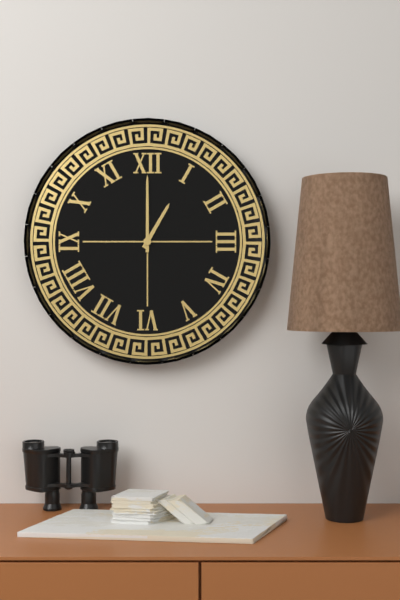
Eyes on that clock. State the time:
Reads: 1:00
